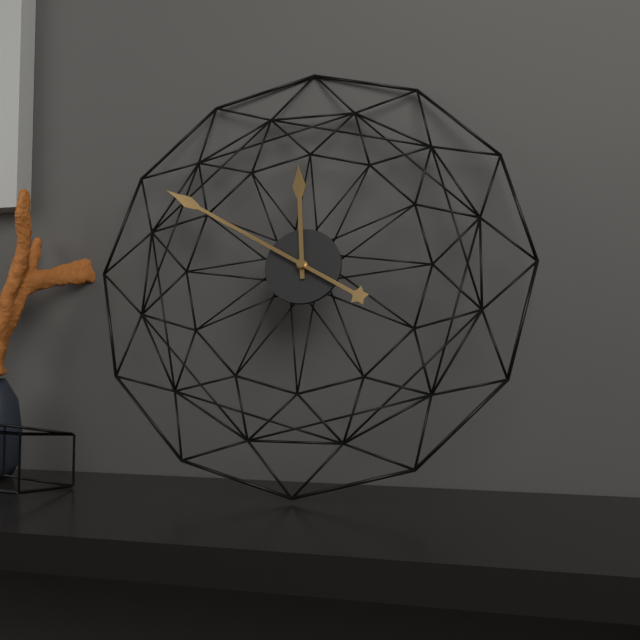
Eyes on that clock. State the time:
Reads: 11:50
